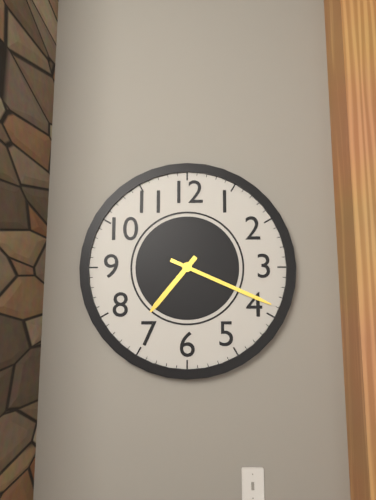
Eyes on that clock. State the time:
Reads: 7:19
